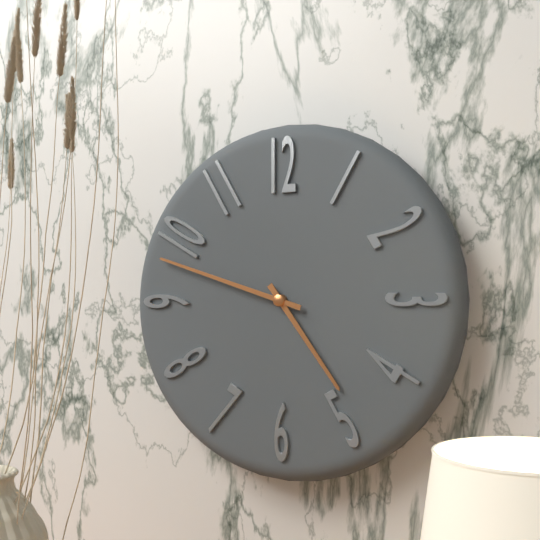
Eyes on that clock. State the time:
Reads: 4:48
